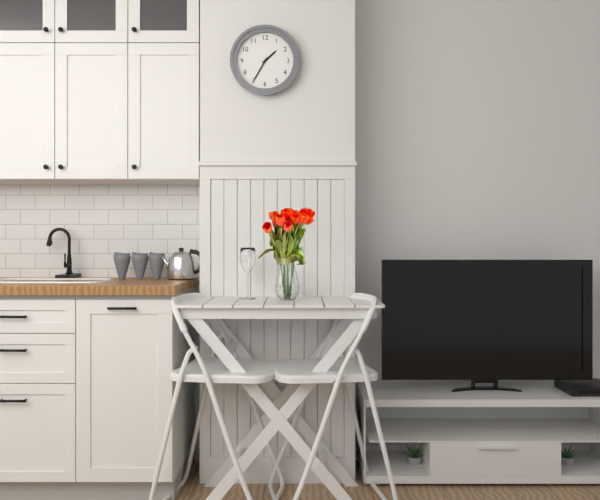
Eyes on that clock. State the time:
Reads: 1:35
